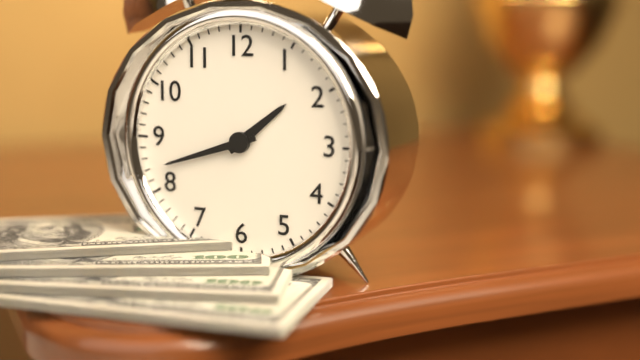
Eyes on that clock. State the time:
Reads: 1:42
